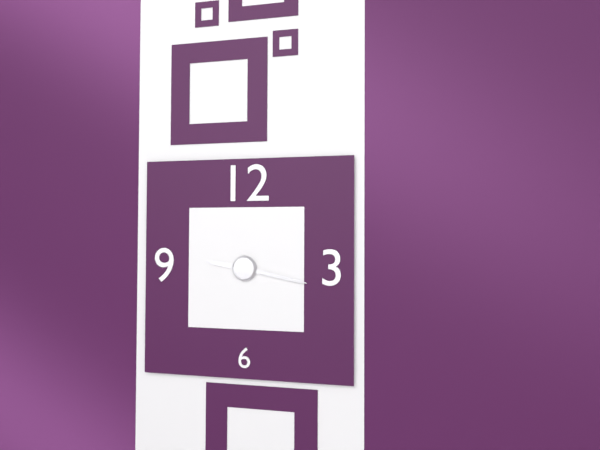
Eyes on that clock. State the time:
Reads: 9:17
